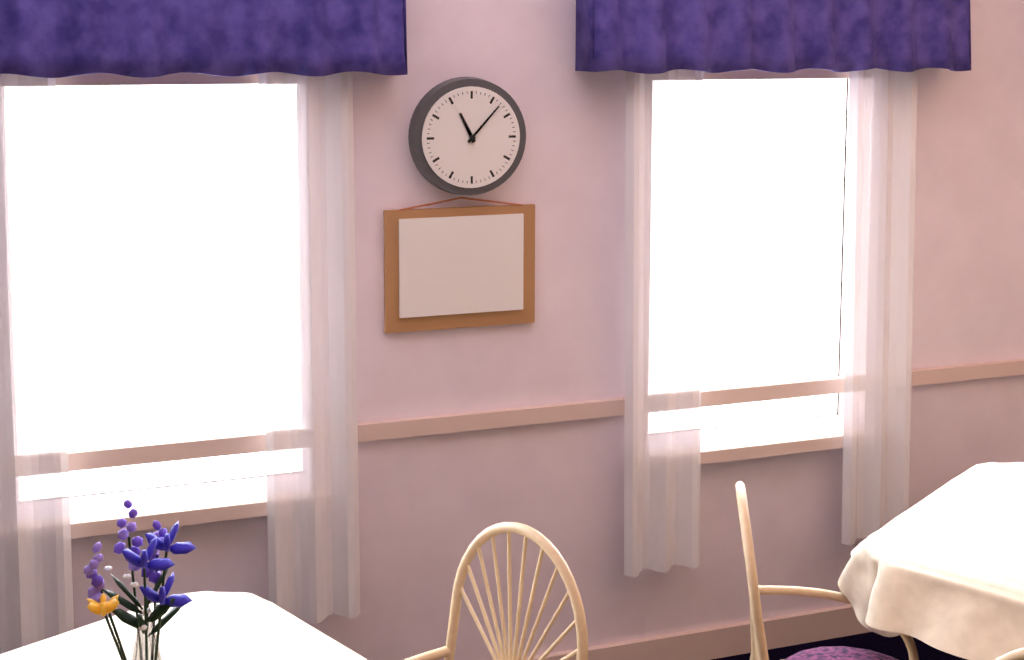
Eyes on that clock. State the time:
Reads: 11:07
